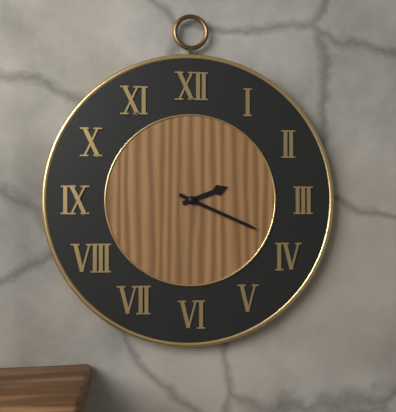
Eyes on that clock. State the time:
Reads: 2:19
